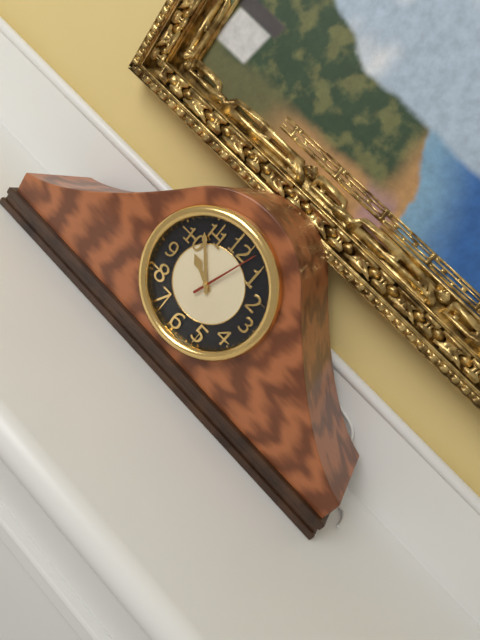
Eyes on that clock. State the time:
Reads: 9:53:03
